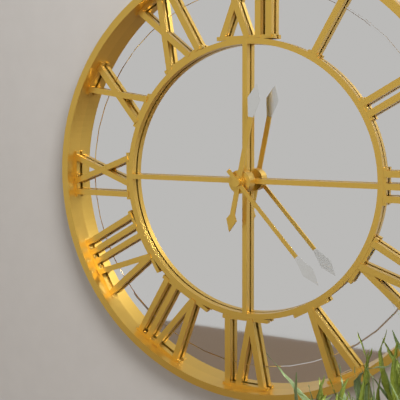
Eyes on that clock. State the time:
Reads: 12:23
